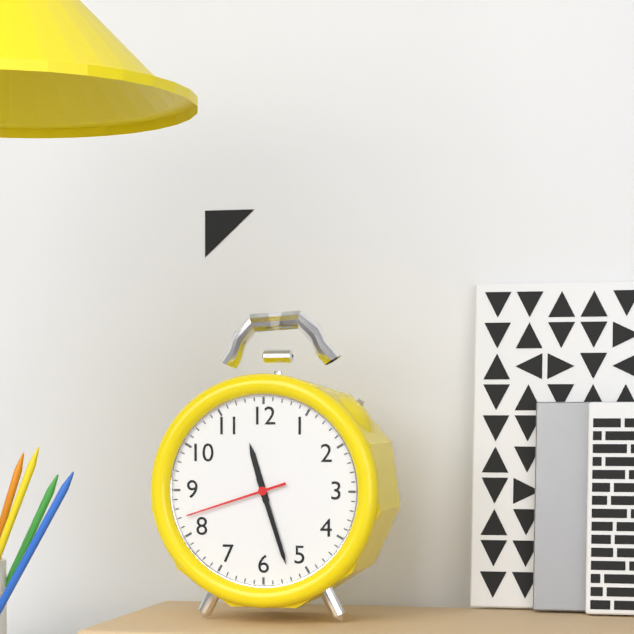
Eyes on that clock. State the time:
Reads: 11:27:42
